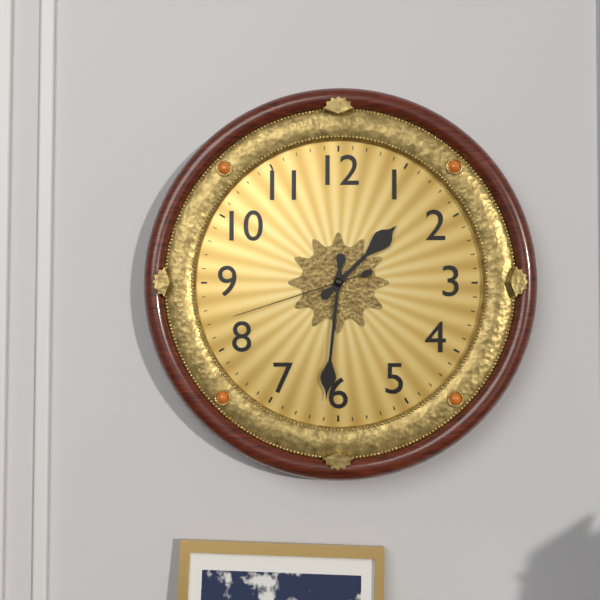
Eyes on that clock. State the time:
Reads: 1:31:42
